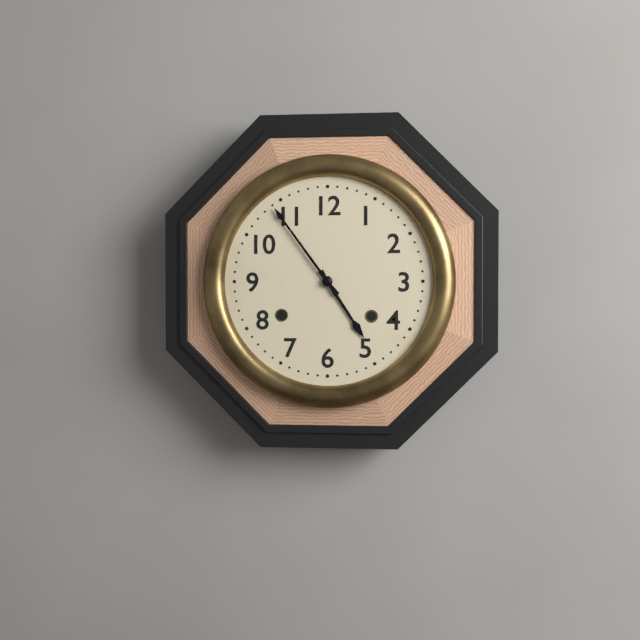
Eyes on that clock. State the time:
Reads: 4:54
